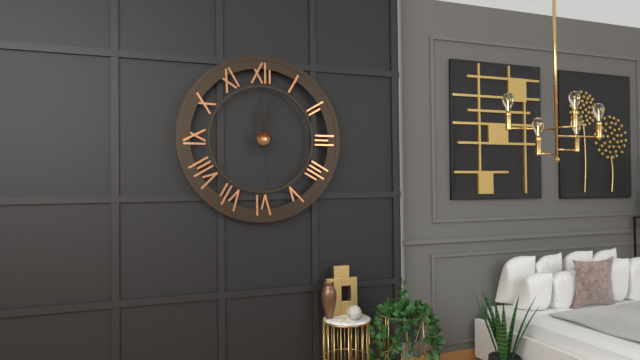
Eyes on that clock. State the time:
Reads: 12:02:29
